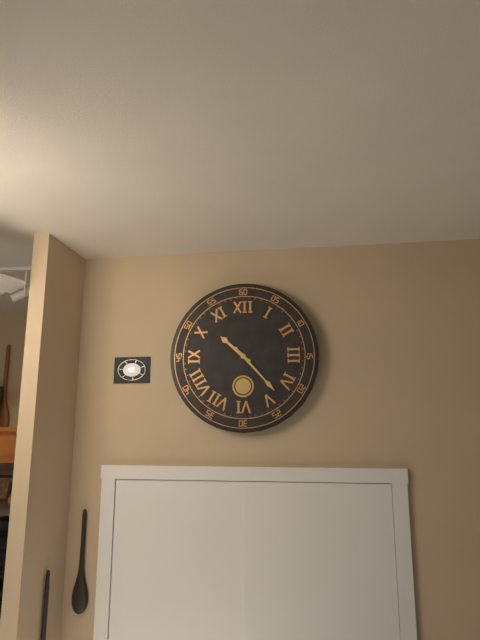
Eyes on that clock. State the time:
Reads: 10:23
